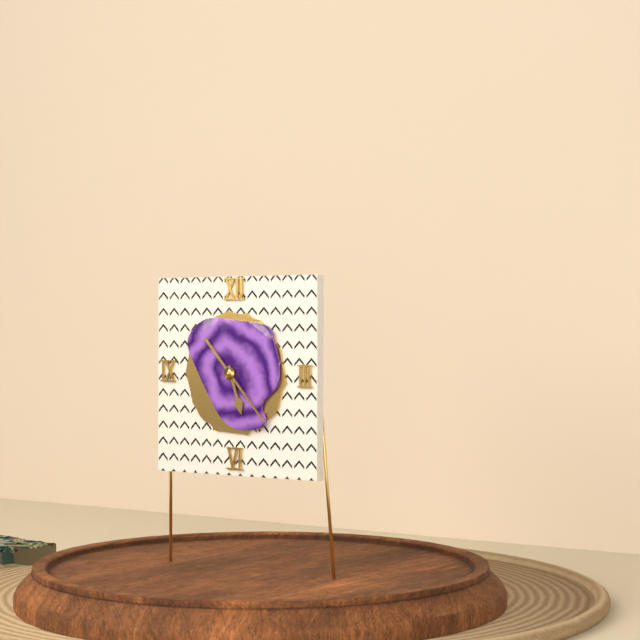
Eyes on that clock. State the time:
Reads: 5:23
